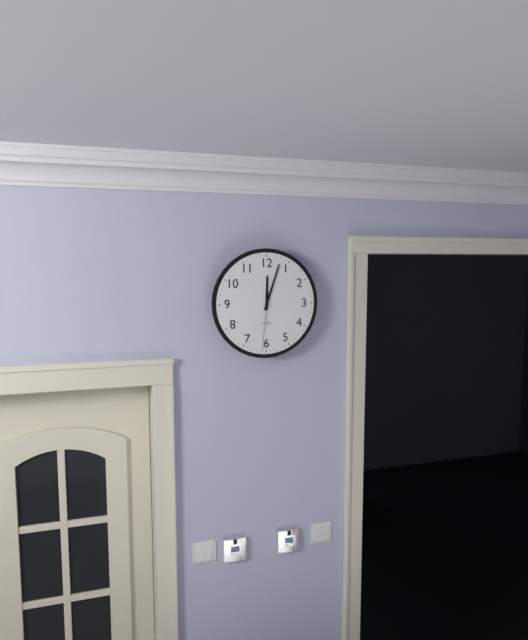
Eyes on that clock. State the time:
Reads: 12:03:31
